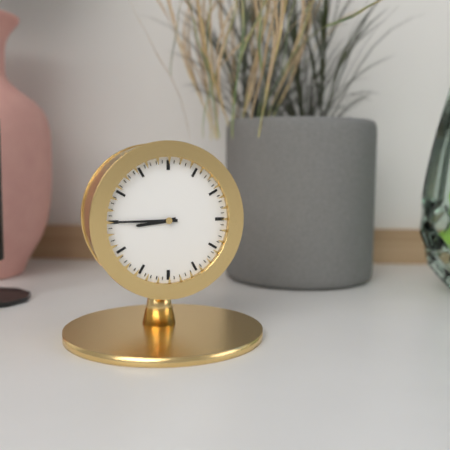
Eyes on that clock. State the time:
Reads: 8:45
